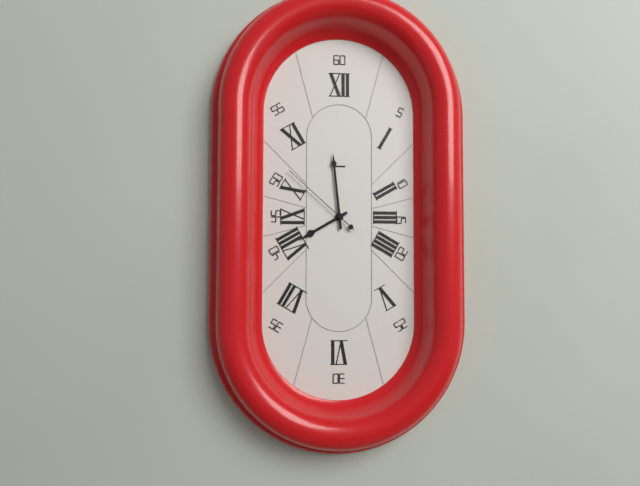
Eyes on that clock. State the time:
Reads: 7:59:52
